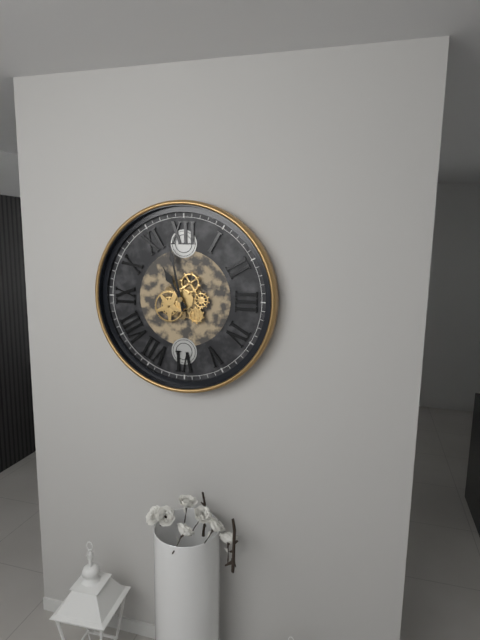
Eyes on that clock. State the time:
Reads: 10:58
